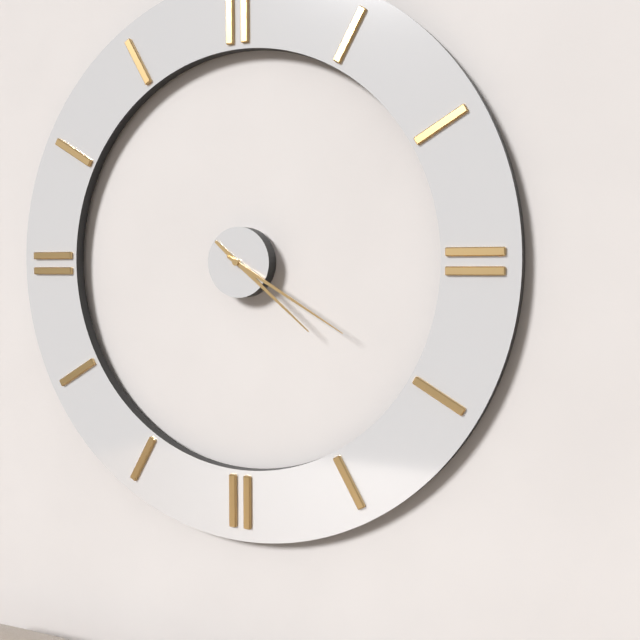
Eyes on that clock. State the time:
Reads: 4:20
